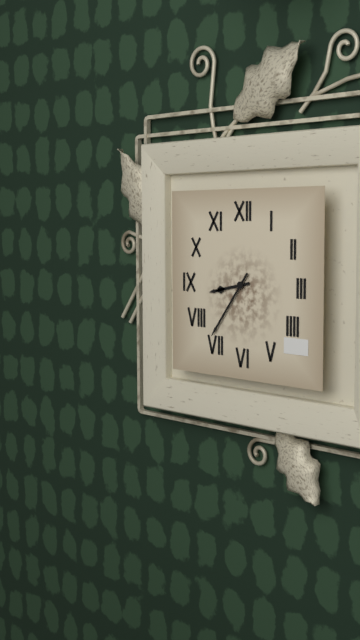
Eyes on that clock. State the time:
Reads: 8:36
